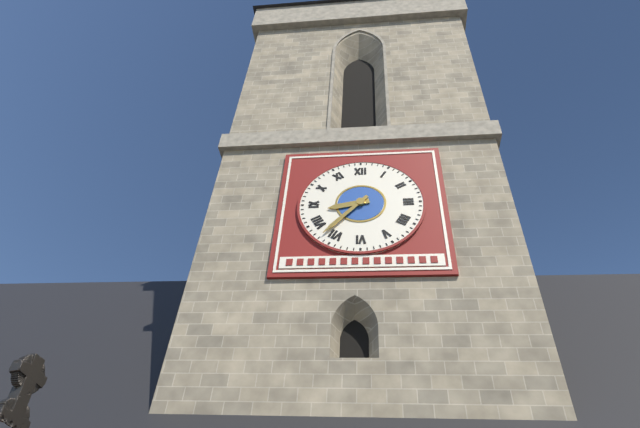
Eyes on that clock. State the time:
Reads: 8:37
